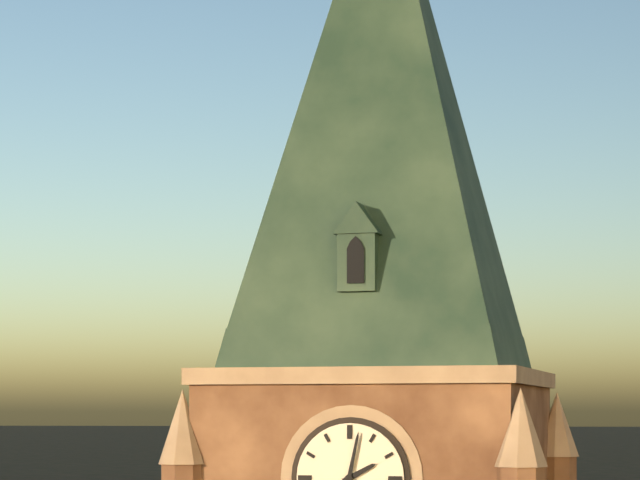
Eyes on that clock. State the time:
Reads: 2:02
